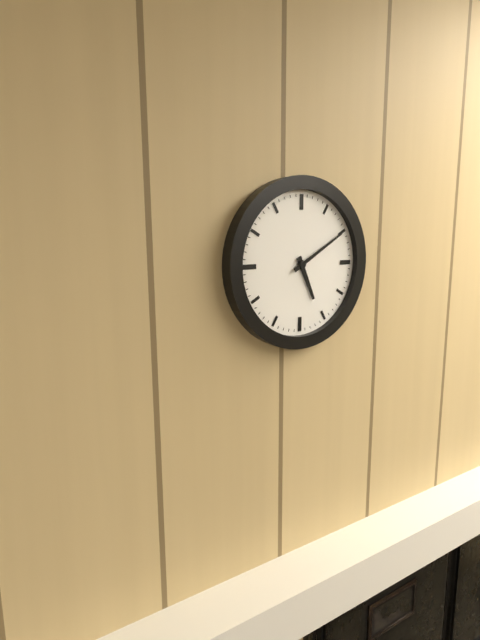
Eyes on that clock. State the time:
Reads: 5:10
